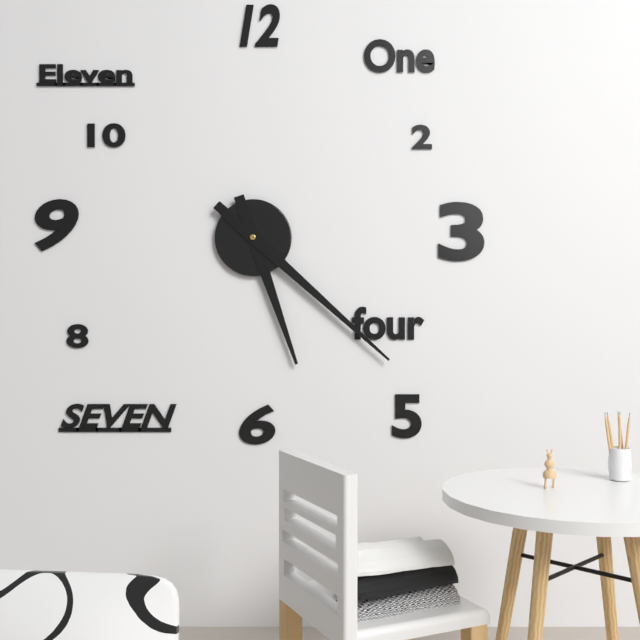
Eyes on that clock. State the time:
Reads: 5:22
